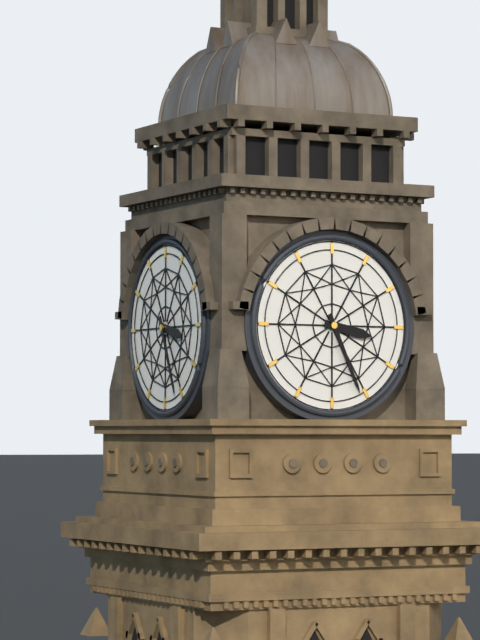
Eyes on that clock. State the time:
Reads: 3:26
